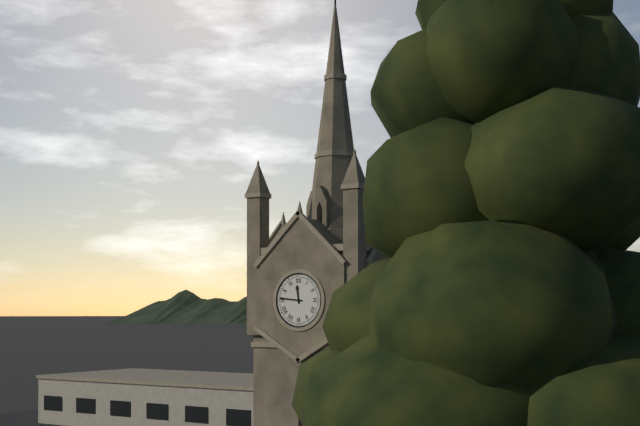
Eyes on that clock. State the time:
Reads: 11:46
